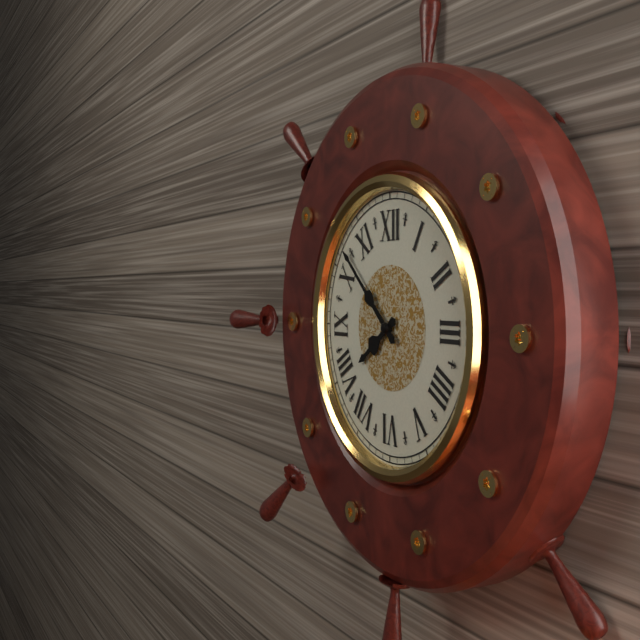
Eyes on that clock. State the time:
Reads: 7:52
